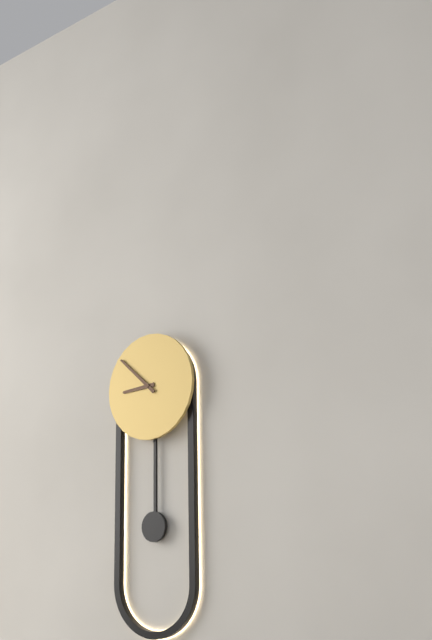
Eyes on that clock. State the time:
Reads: 8:52
